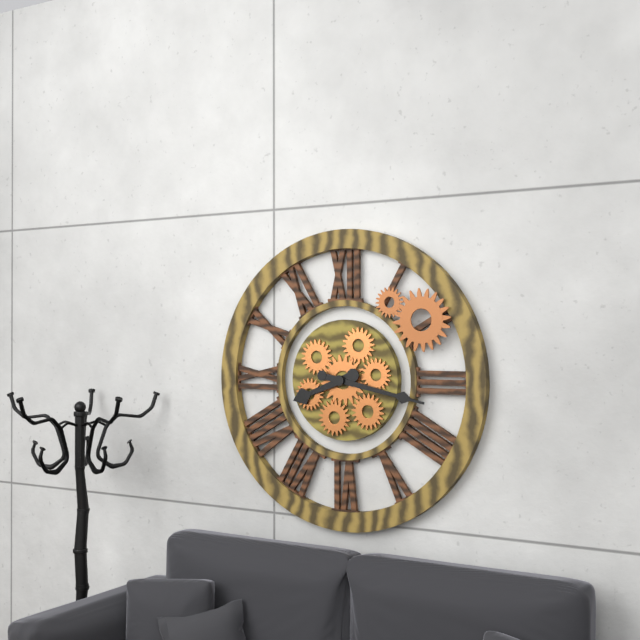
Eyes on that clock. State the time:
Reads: 8:17
